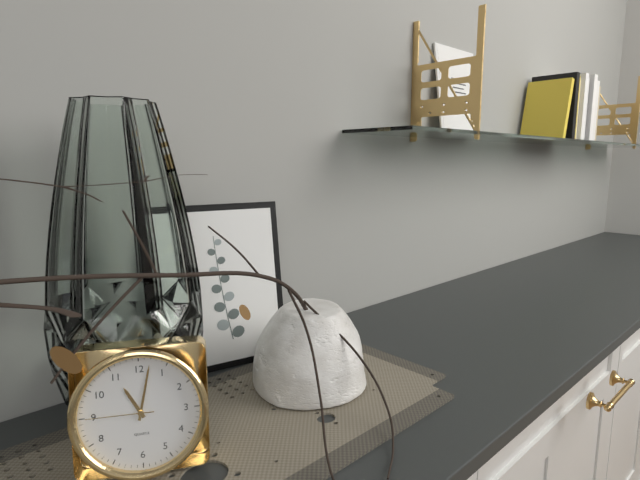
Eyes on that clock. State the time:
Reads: 11:02:45
